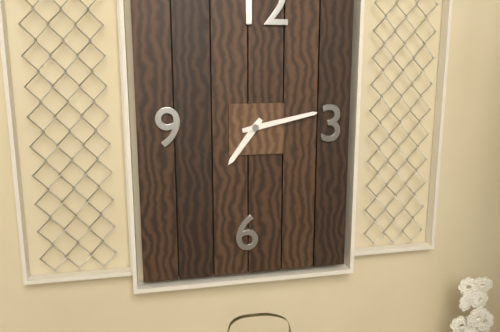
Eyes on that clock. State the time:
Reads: 7:13
